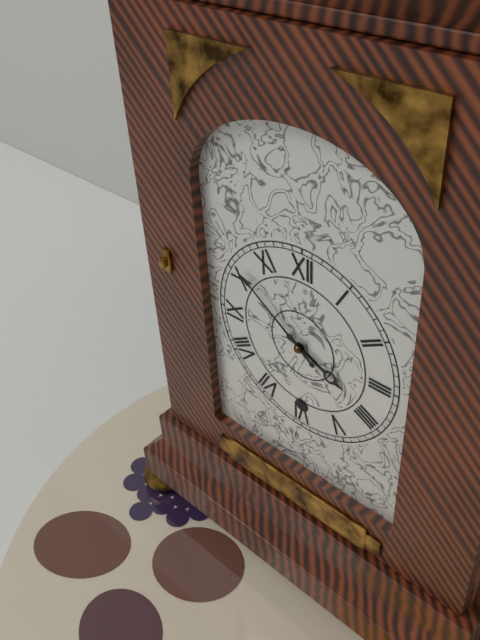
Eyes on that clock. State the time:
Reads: 3:51
